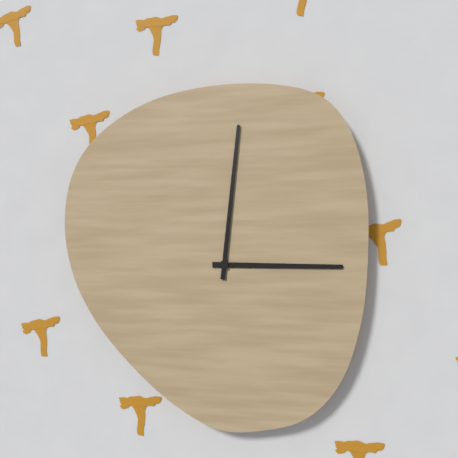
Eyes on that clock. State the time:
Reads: 3:01
